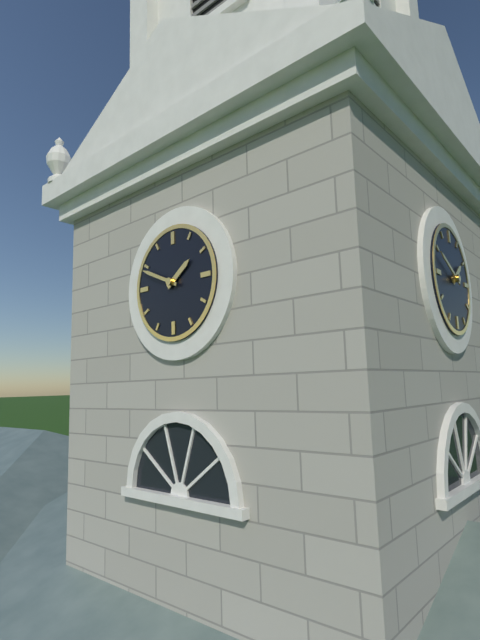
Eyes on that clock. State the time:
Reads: 1:49
